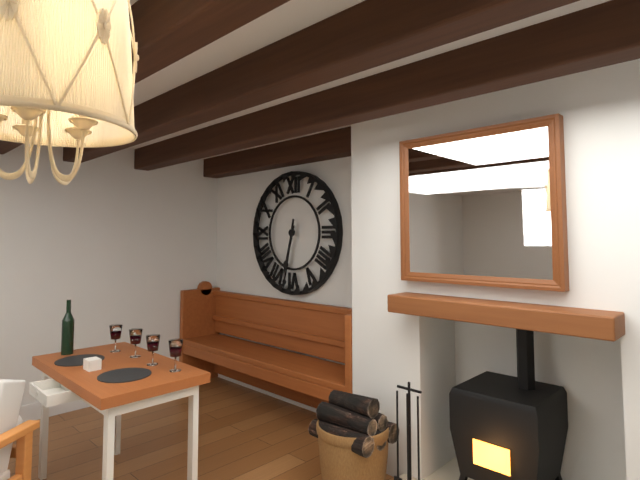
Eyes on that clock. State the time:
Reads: 6:32
